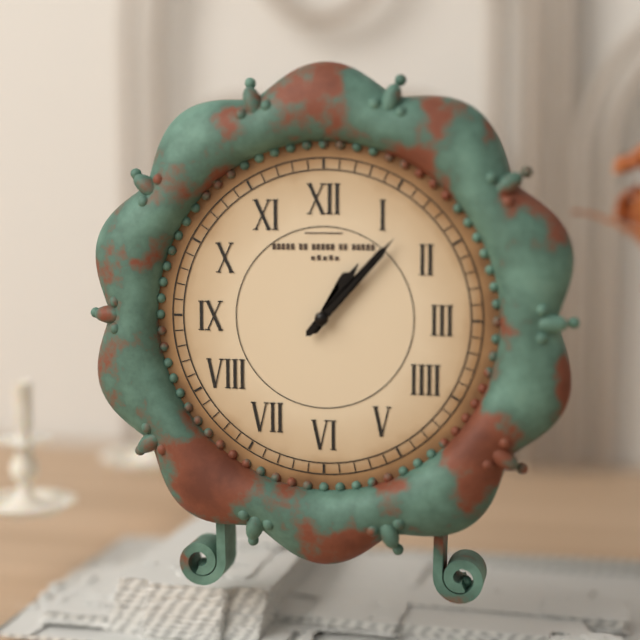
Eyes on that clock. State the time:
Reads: 1:07
